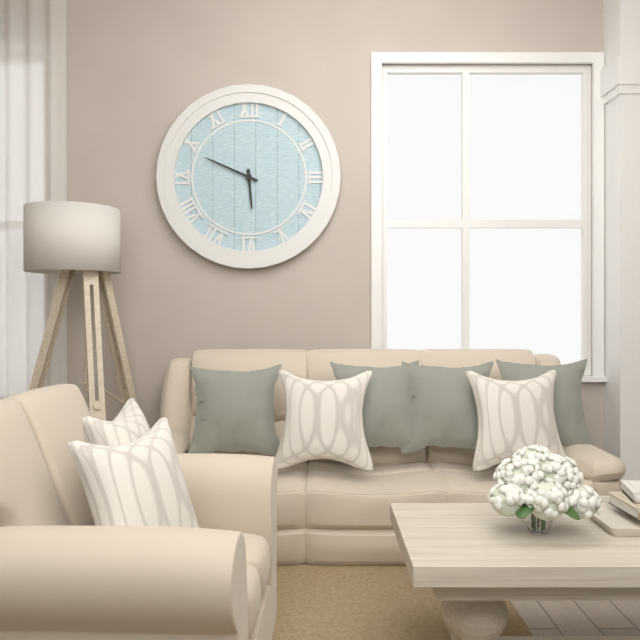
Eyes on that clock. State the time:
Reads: 5:49
